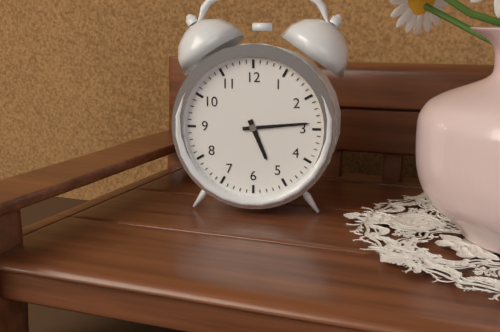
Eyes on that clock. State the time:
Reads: 5:14
